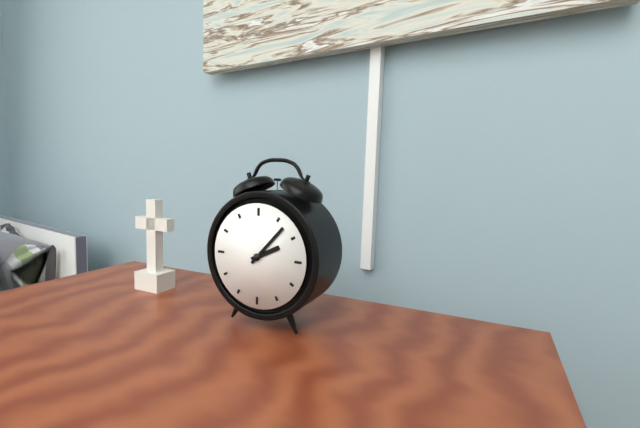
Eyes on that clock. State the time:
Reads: 2:07
